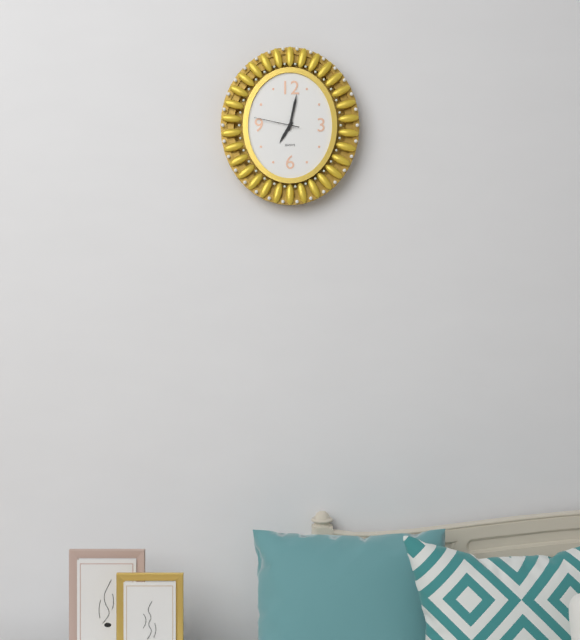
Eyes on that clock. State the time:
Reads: 7:02
